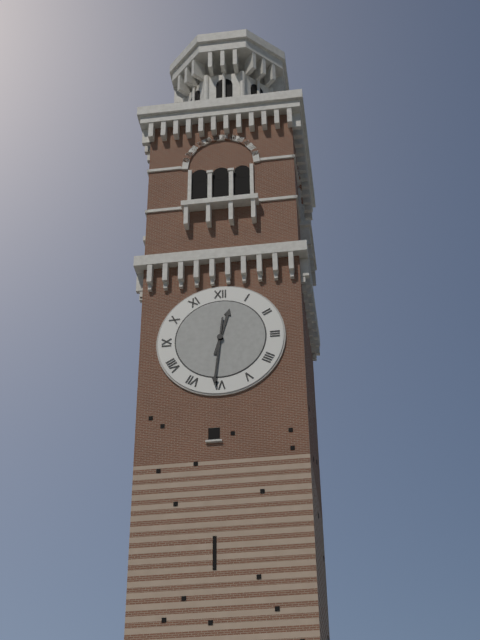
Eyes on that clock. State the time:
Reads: 12:31
